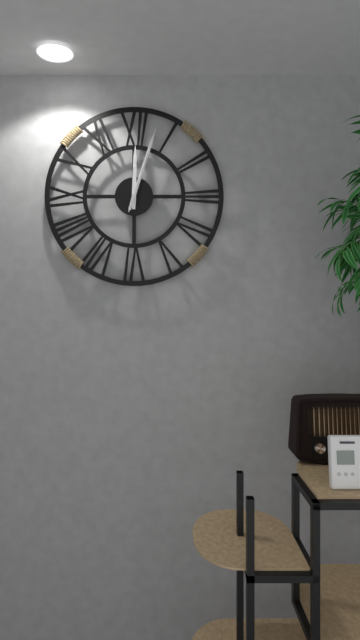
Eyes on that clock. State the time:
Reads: 12:03:03
